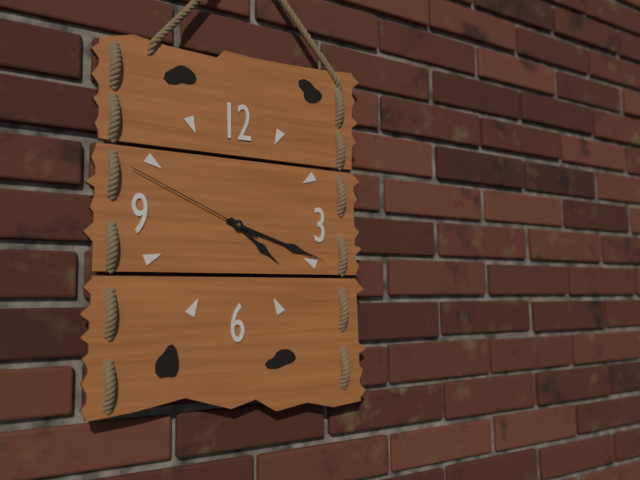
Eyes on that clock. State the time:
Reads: 4:18:49
